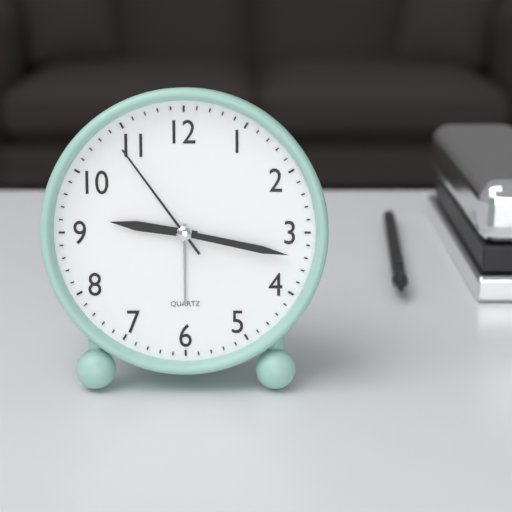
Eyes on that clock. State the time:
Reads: 9:17:54
